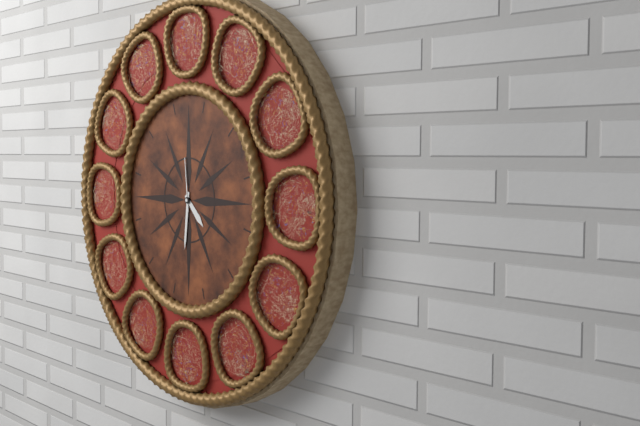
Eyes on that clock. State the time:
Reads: 4:31:59
